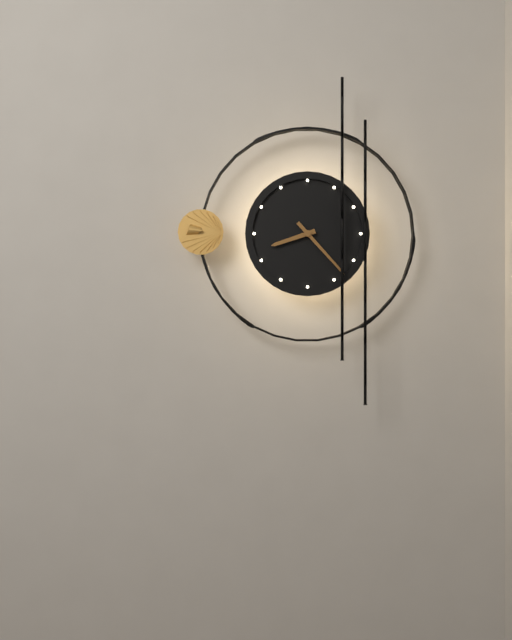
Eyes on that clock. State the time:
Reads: 8:23
